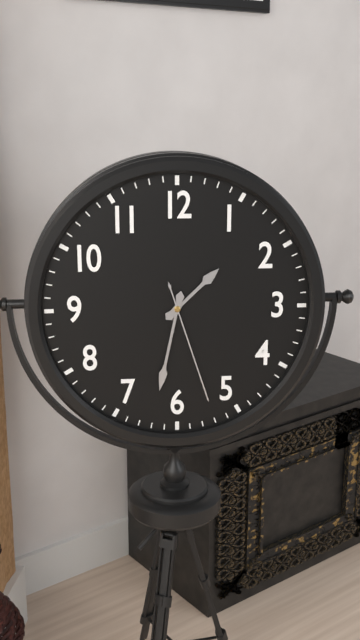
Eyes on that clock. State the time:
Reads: 1:32:27
